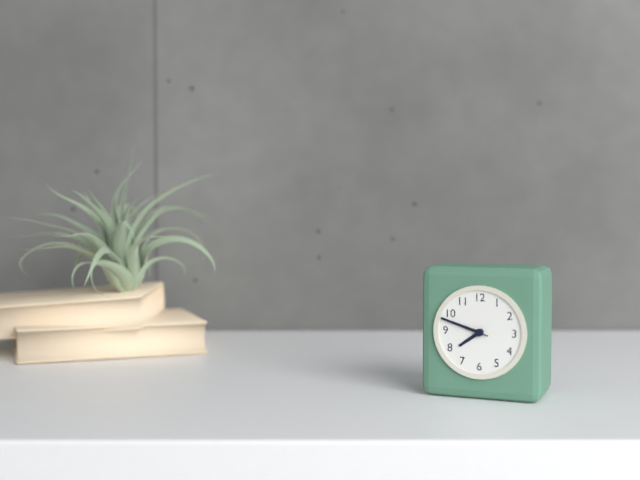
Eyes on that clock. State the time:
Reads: 7:48
